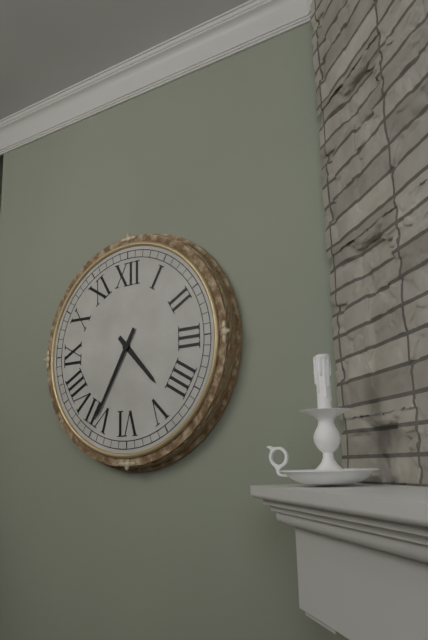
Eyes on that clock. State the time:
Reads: 4:35
